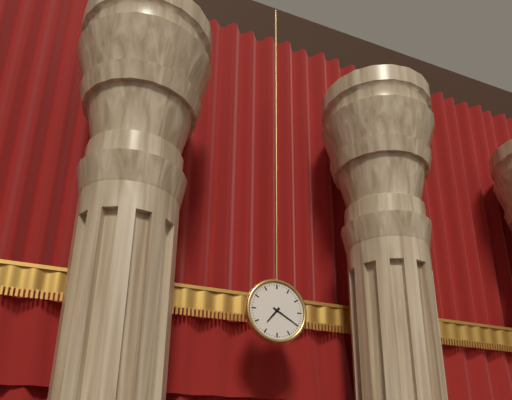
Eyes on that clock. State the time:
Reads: 7:20
